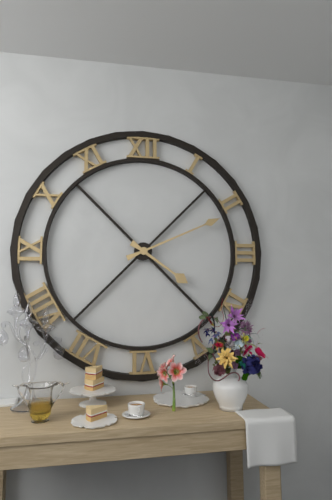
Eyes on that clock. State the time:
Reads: 4:11
